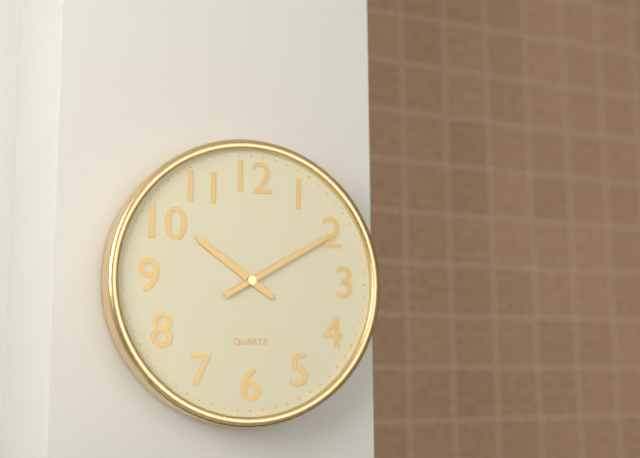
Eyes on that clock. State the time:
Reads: 10:10
